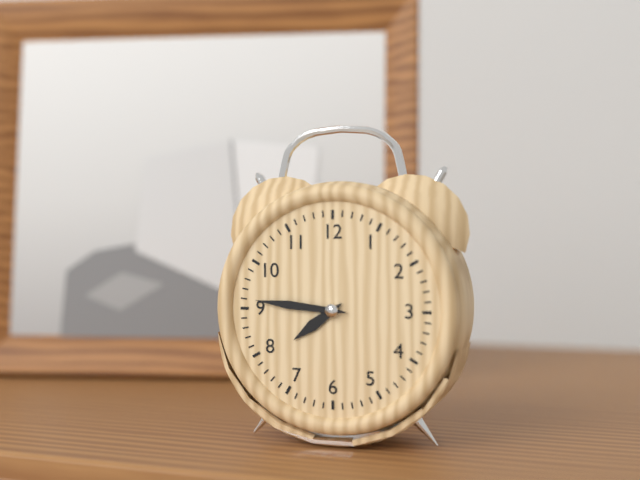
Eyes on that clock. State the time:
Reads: 7:46
